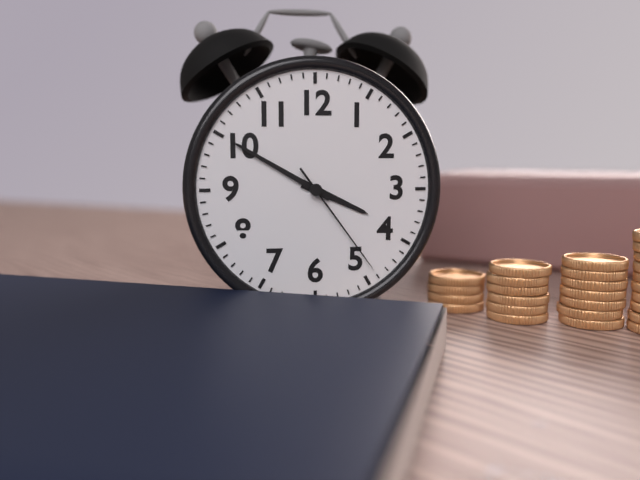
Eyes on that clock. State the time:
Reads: 3:50:24
